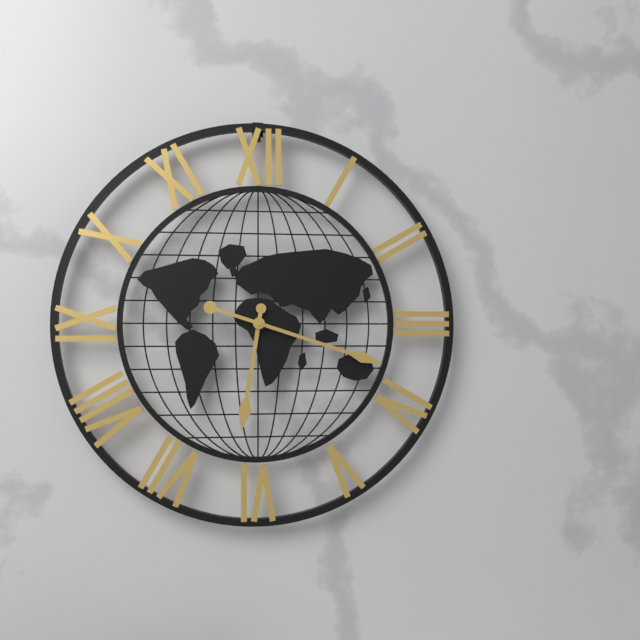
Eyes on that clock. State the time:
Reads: 6:18
